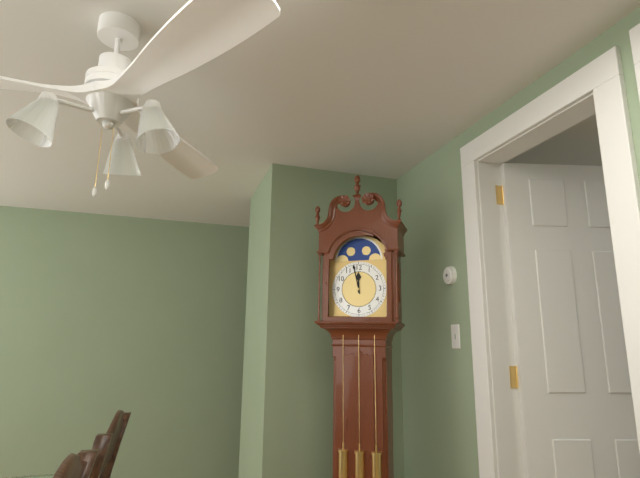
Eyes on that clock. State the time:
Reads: 11:58
